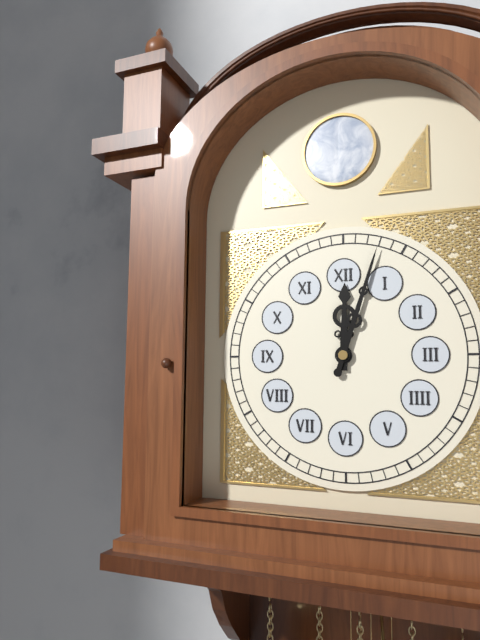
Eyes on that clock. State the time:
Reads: 12:03
